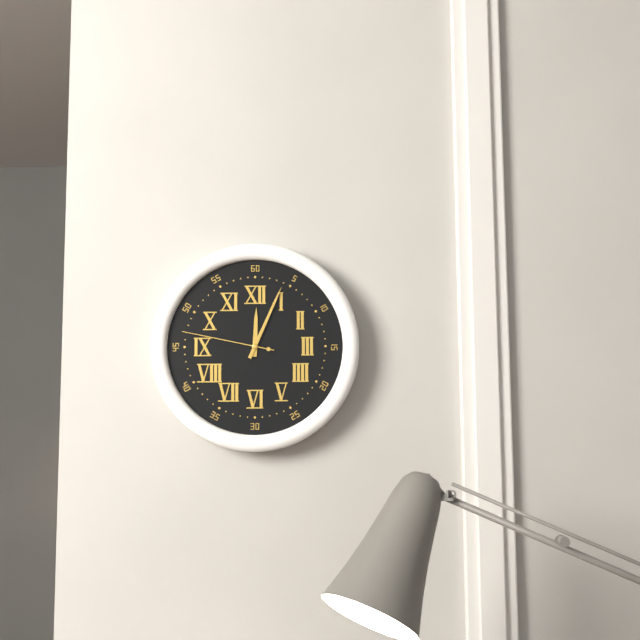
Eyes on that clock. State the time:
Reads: 12:04:47
